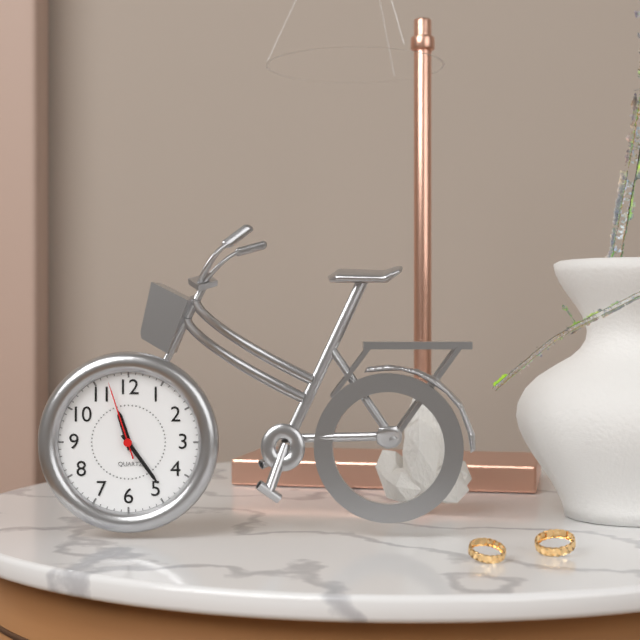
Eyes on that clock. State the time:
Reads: 11:24:57
